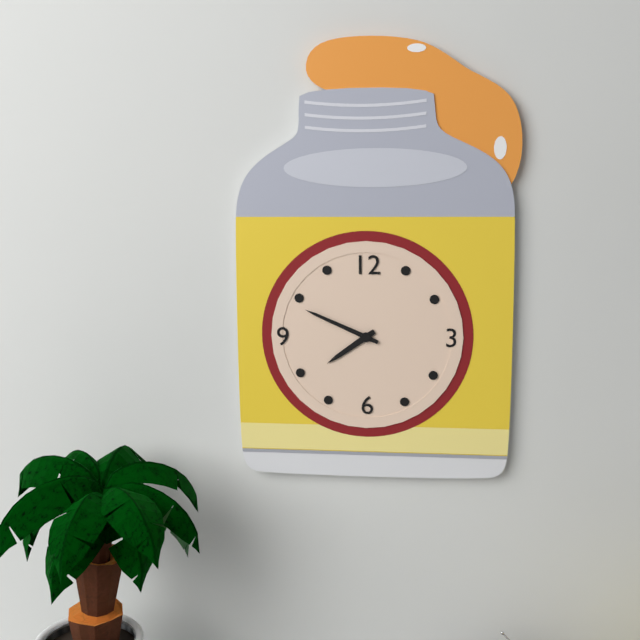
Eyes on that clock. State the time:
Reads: 7:49
